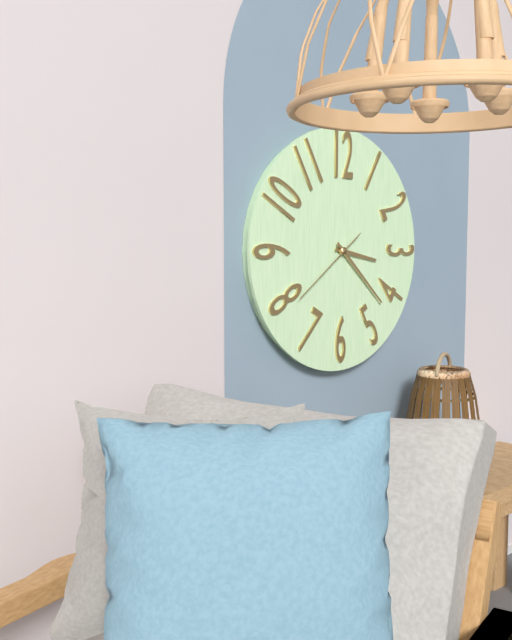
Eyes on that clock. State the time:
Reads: 3:22:39
